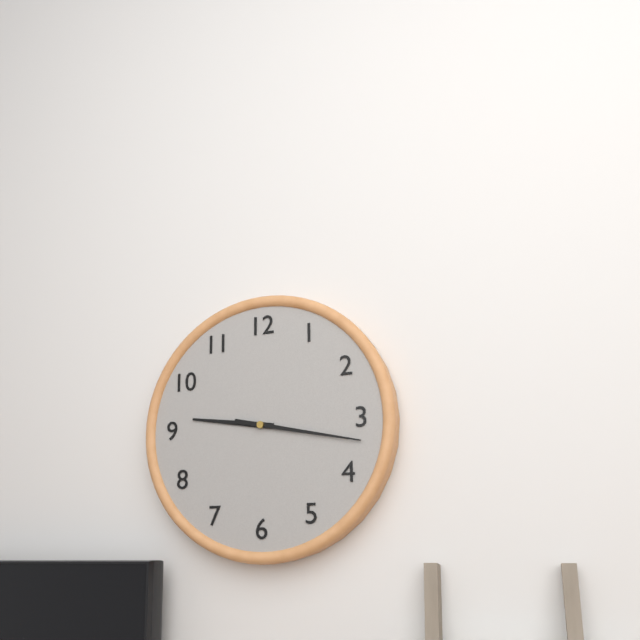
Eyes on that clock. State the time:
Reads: 9:17
